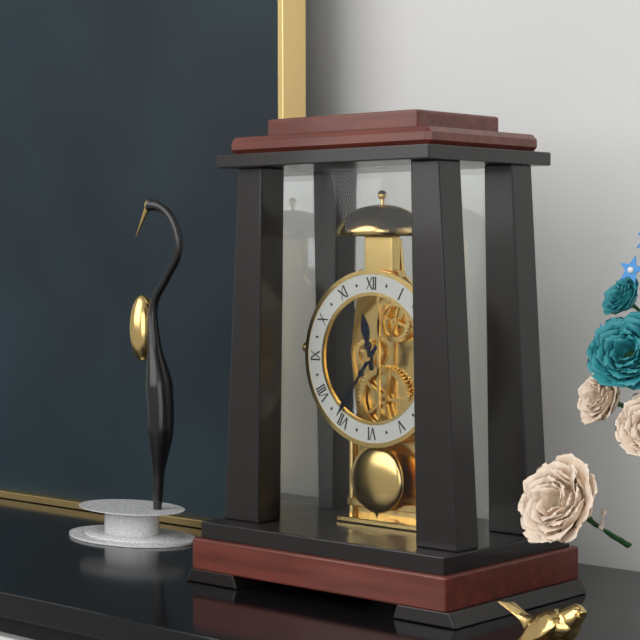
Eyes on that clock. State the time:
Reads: 11:36
